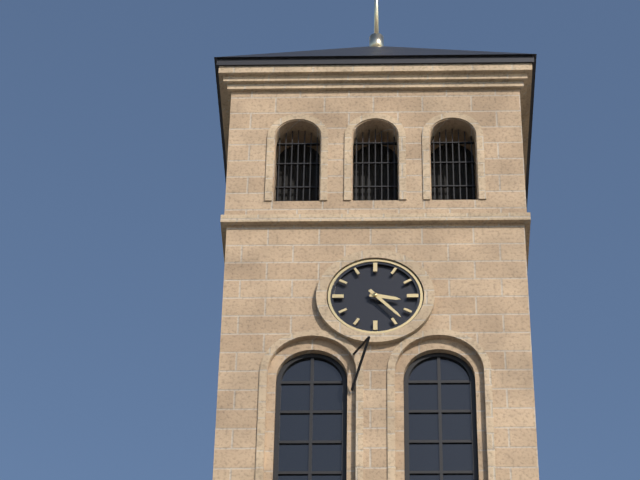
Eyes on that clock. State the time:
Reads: 3:23
